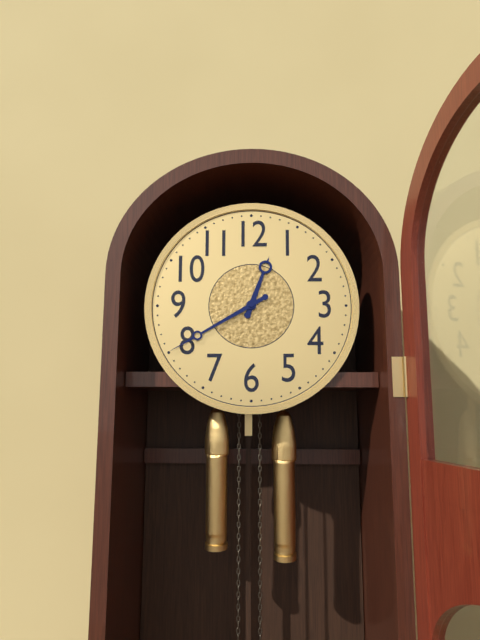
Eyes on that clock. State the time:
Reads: 12:40
